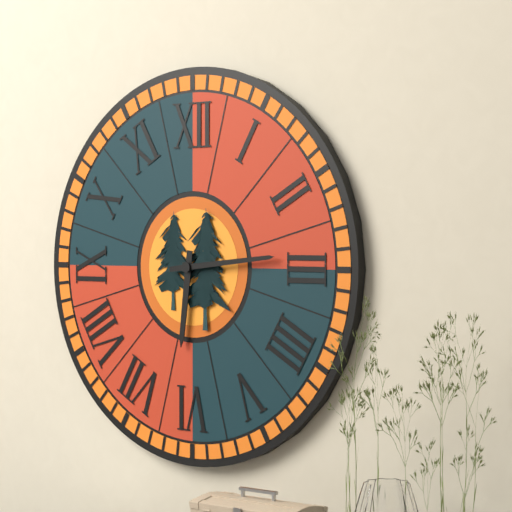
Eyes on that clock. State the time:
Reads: 6:14
